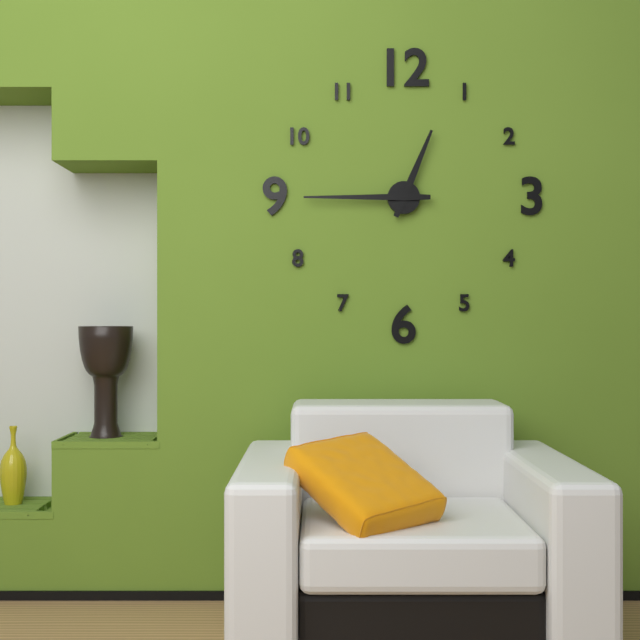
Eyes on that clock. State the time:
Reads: 12:45
